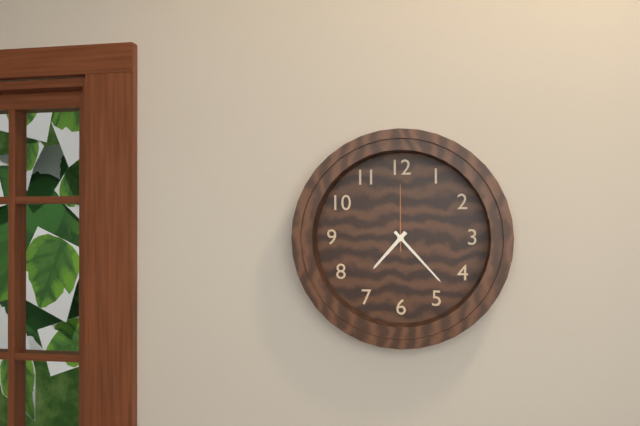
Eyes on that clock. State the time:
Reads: 7:23:00
